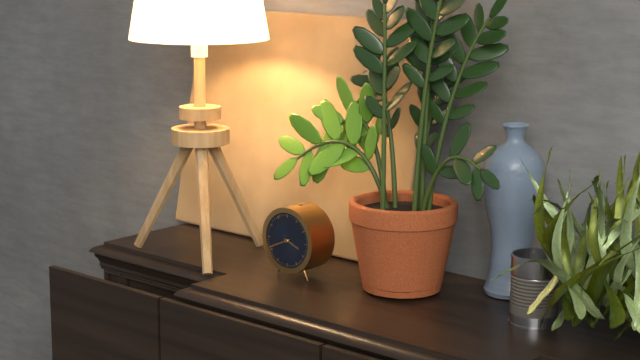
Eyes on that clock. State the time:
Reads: 3:41
